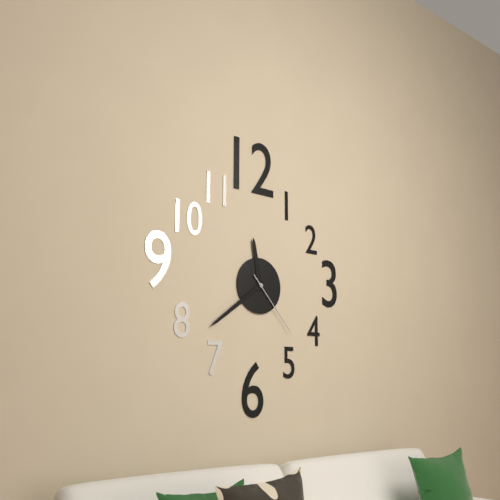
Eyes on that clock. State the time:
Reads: 11:39:23
